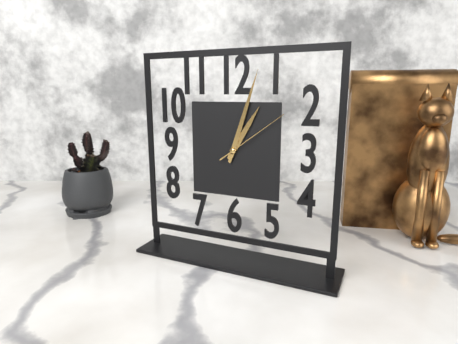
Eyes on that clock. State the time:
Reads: 1:03:09
